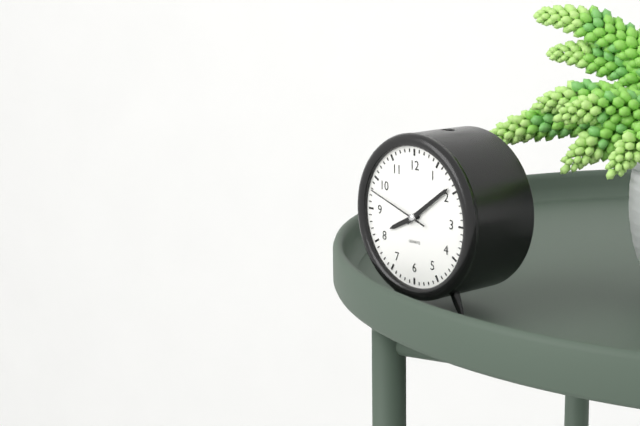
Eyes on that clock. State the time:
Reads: 8:09:48
